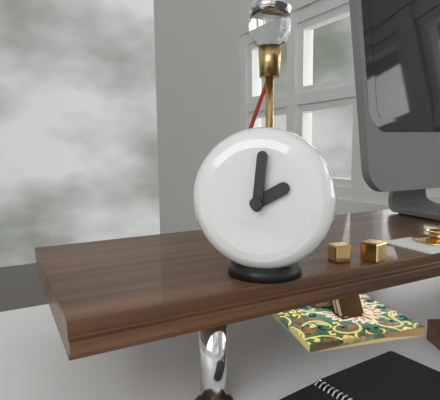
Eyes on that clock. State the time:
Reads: 2:01
